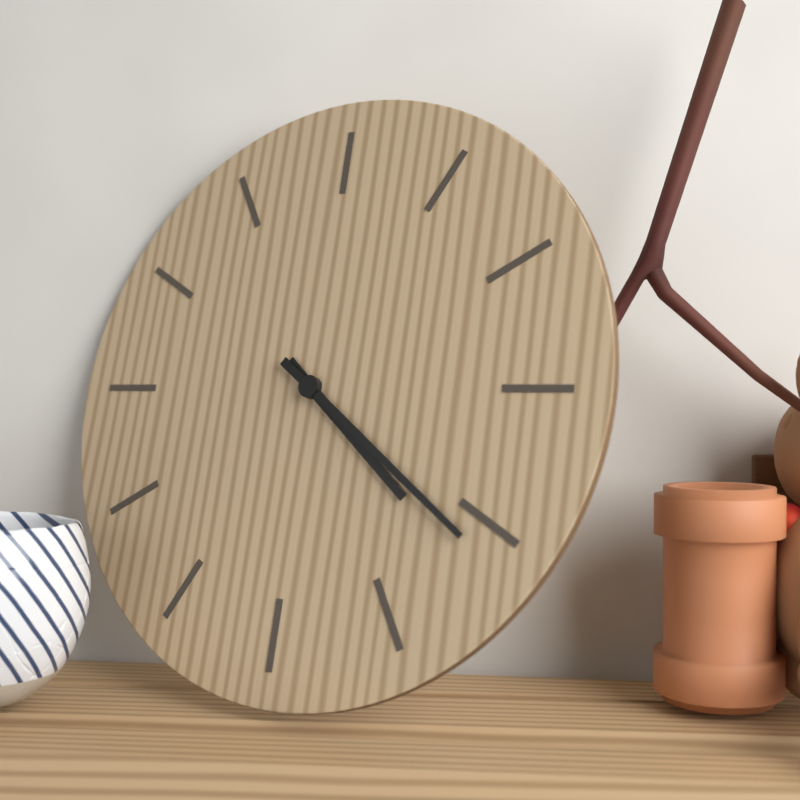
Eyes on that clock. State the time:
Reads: 4:21
